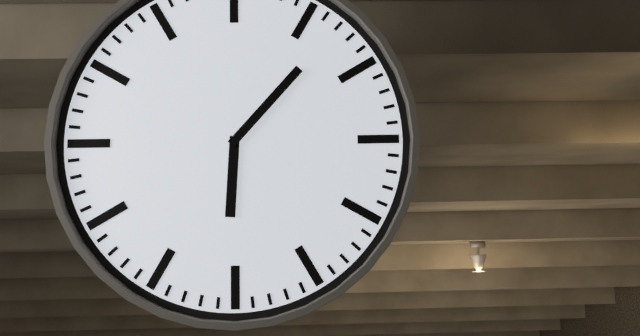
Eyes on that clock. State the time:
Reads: 6:07
